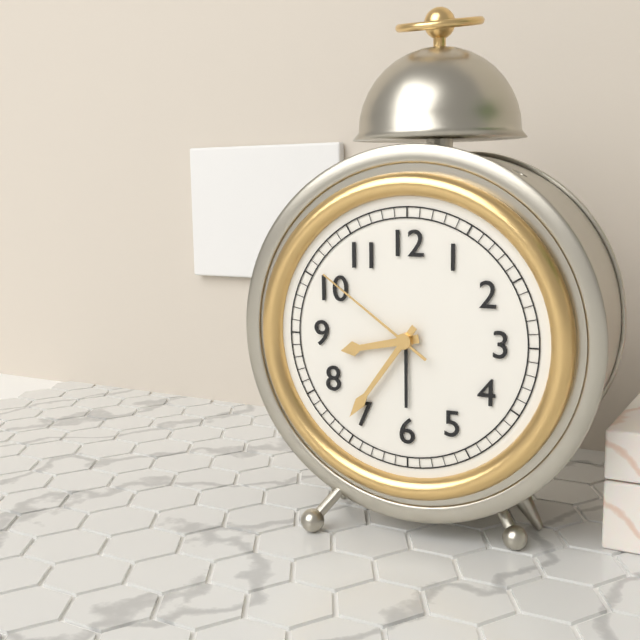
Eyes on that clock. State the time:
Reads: 8:36:51
